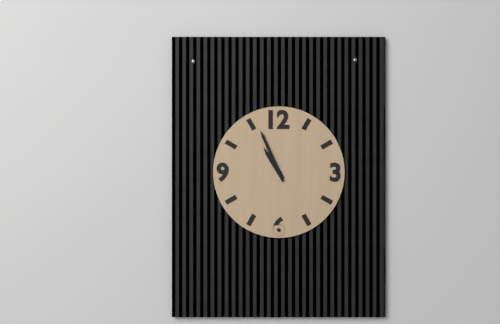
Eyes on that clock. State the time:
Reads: 10:56
